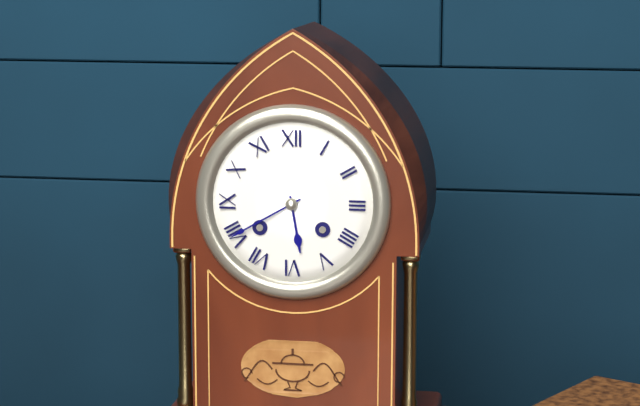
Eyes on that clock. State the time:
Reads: 5:40
